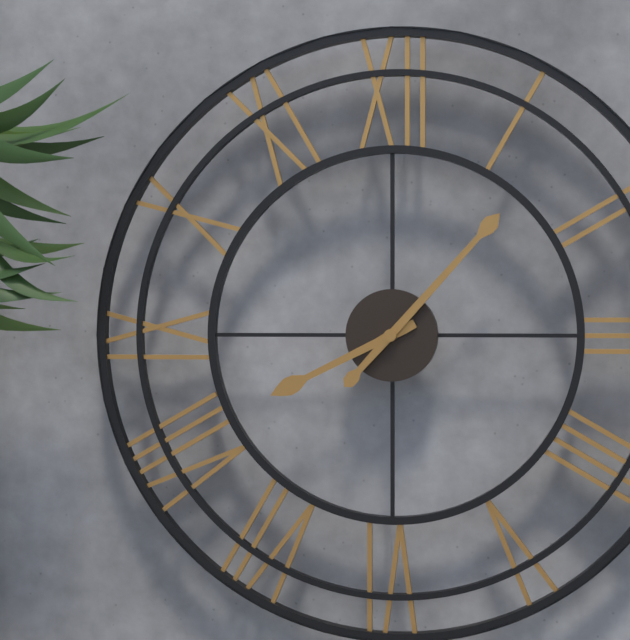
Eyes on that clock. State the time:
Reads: 8:07
